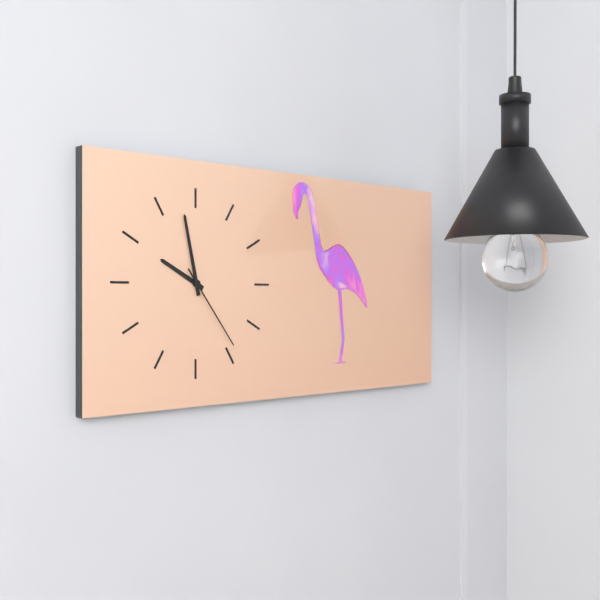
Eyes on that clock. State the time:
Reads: 9:58:24
